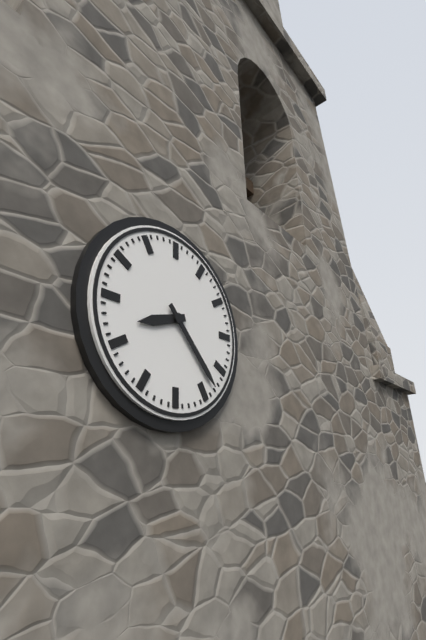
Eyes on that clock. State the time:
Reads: 8:23
